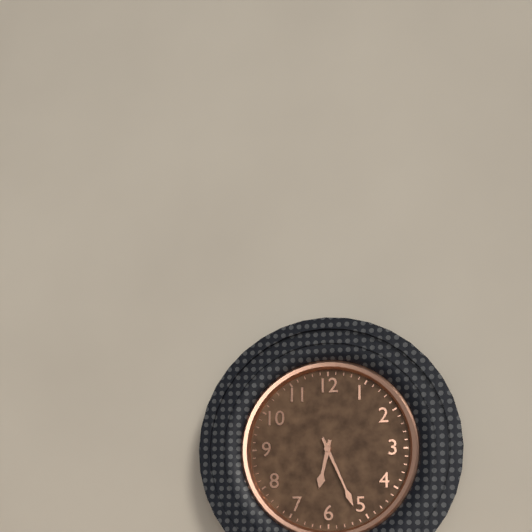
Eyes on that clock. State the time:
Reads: 6:26
